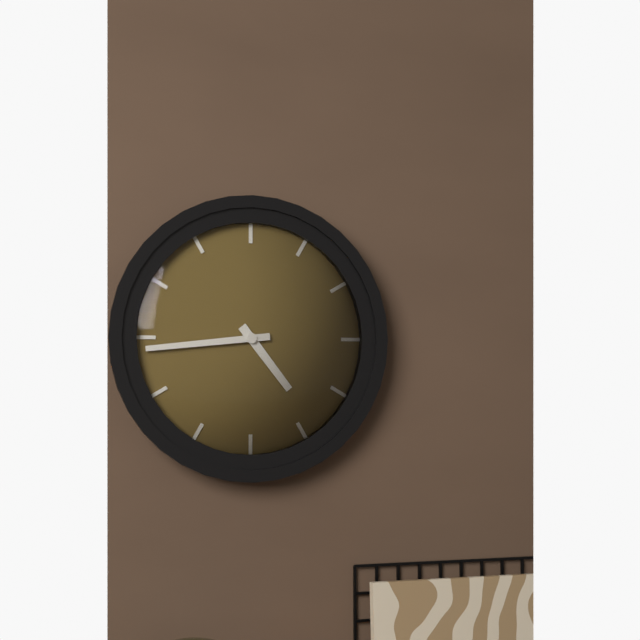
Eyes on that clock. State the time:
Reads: 4:44
